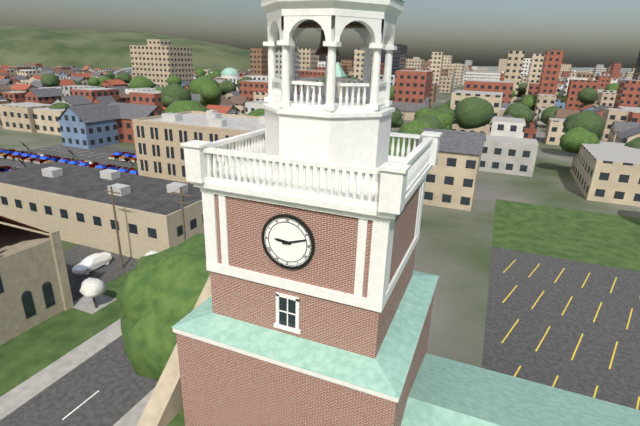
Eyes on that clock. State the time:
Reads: 9:12
